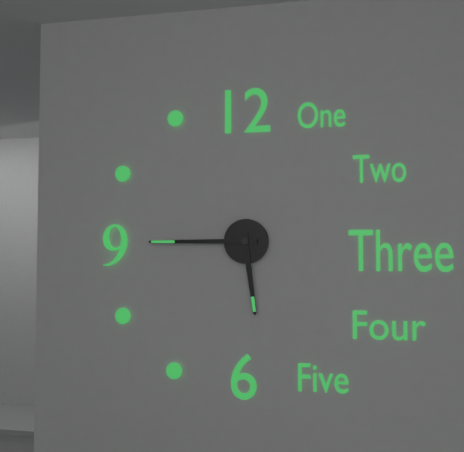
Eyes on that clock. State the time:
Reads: 5:45
